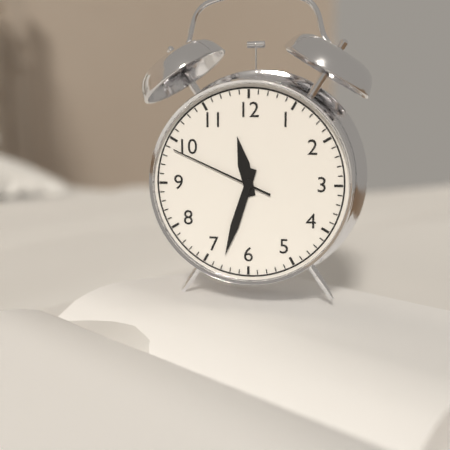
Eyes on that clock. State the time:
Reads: 11:33:49
